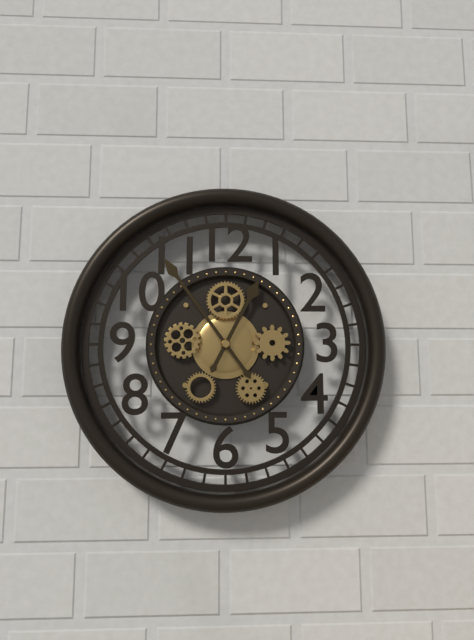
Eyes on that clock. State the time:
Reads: 12:54
